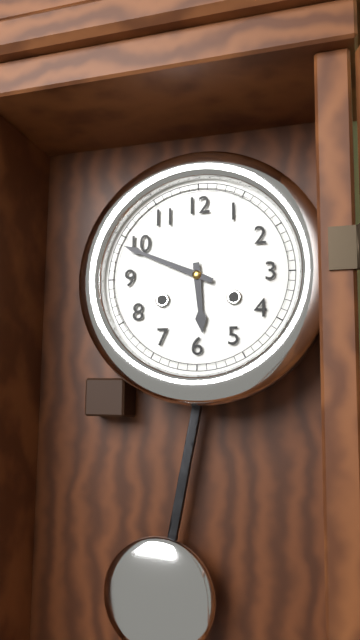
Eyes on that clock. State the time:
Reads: 5:49
